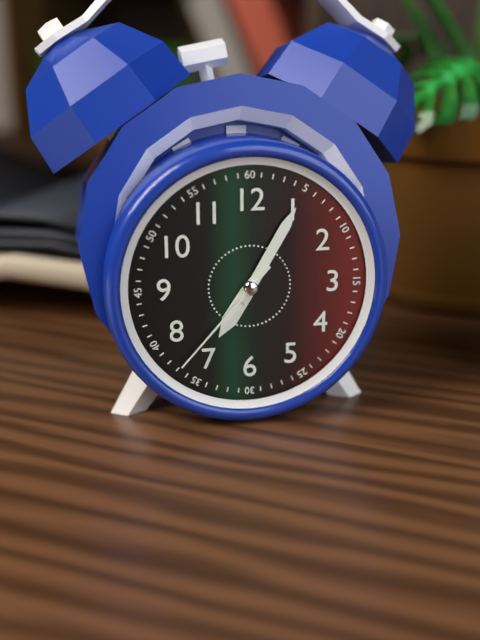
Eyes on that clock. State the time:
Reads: 7:05:37
